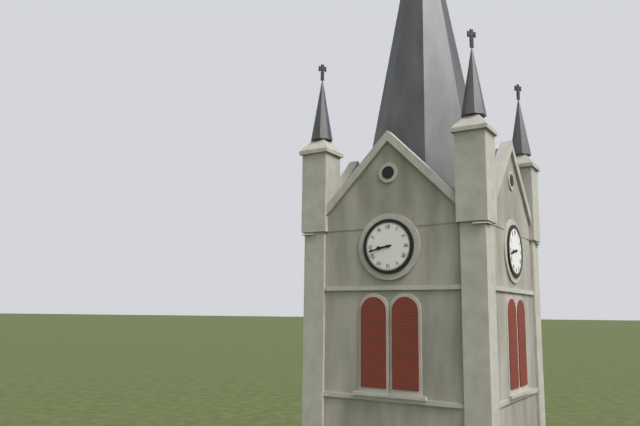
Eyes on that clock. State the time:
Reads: 8:43
